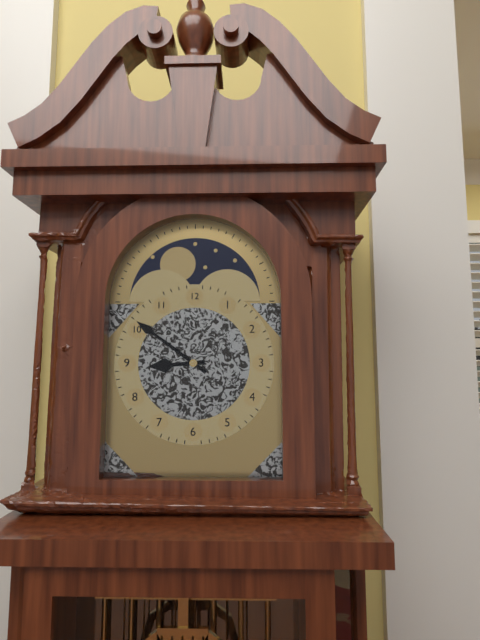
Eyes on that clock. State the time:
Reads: 8:51
